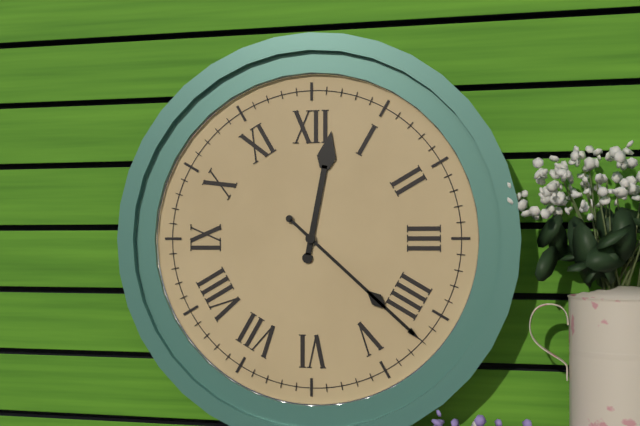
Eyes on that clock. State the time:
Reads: 12:22
